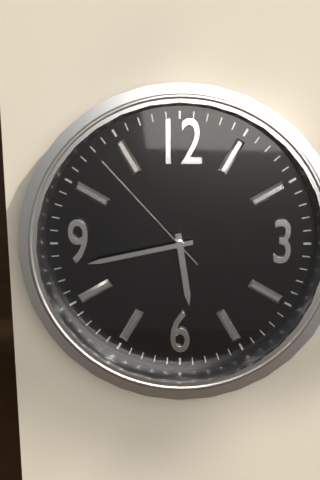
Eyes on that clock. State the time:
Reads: 5:43:53
